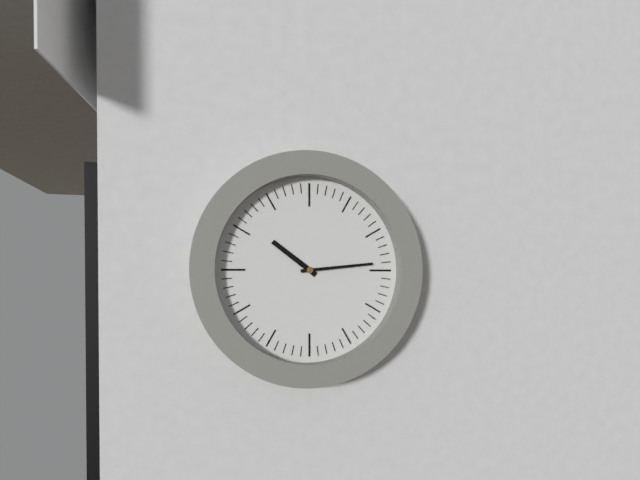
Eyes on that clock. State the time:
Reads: 10:14
